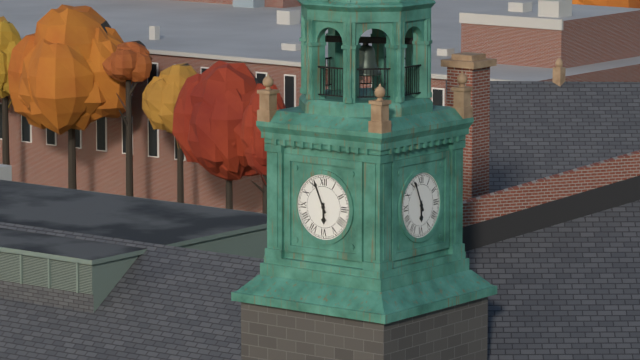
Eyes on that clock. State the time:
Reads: 5:56
